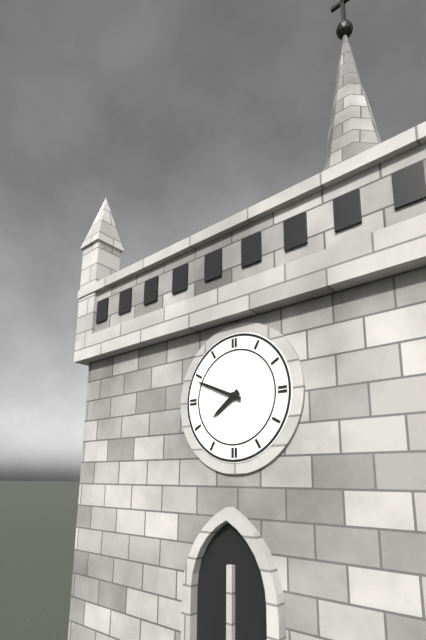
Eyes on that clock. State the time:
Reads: 7:49
